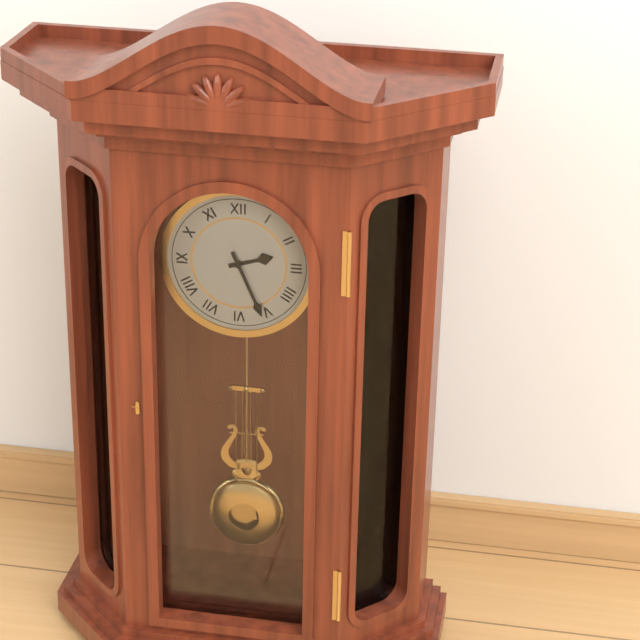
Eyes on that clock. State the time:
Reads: 2:26
